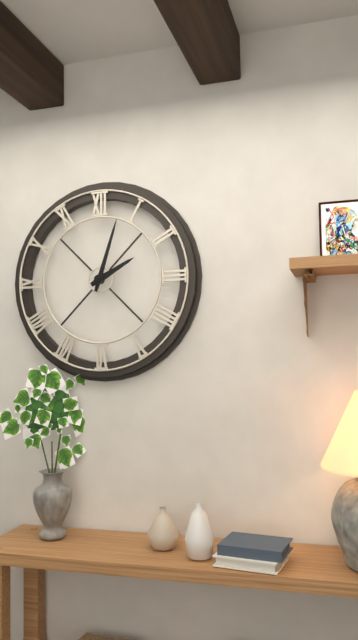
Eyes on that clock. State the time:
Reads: 2:03
